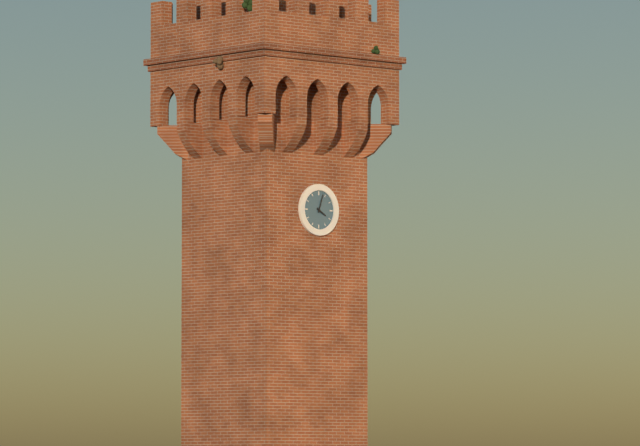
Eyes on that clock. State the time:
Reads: 4:03
